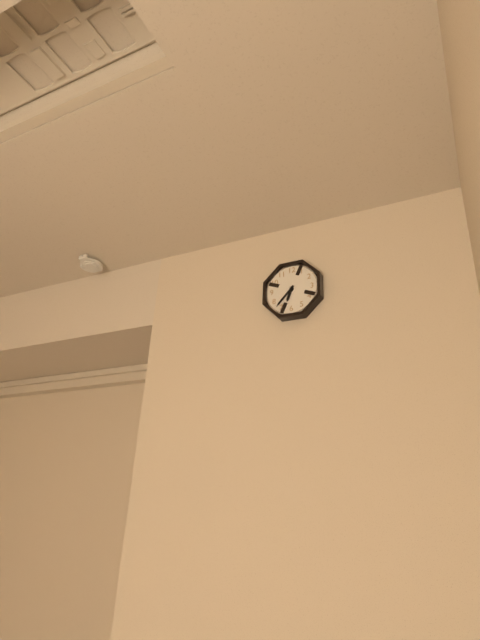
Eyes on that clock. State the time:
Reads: 6:37
